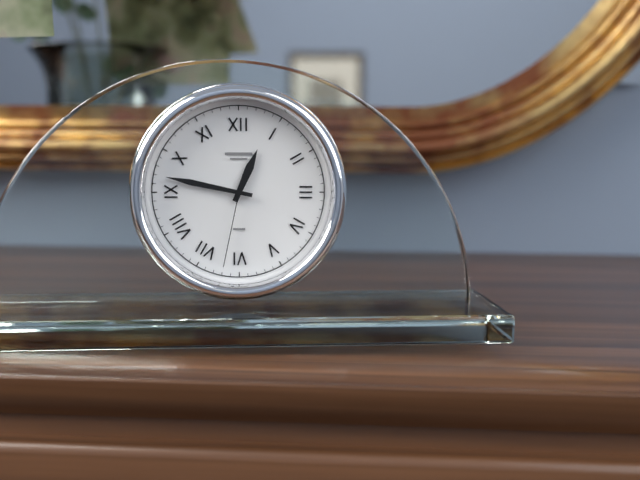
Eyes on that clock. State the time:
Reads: 12:47:32
